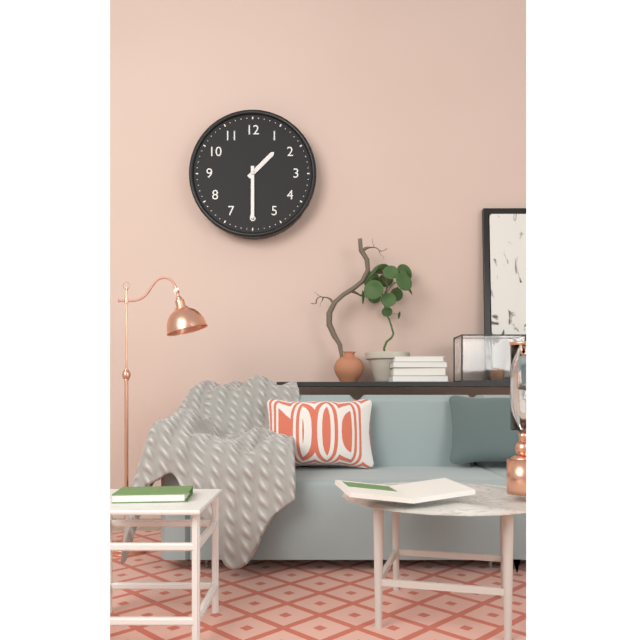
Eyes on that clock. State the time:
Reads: 1:30
